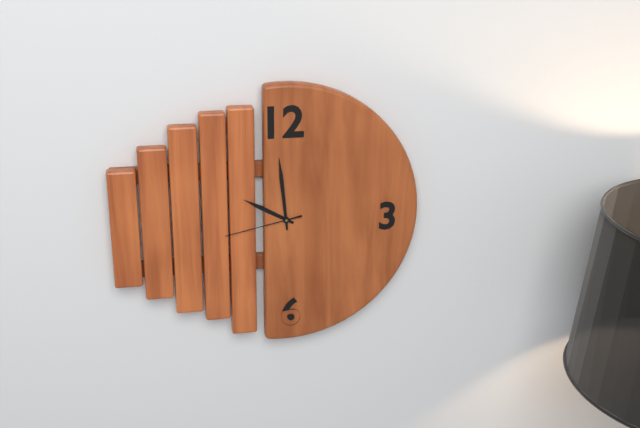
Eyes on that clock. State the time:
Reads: 9:59:43
